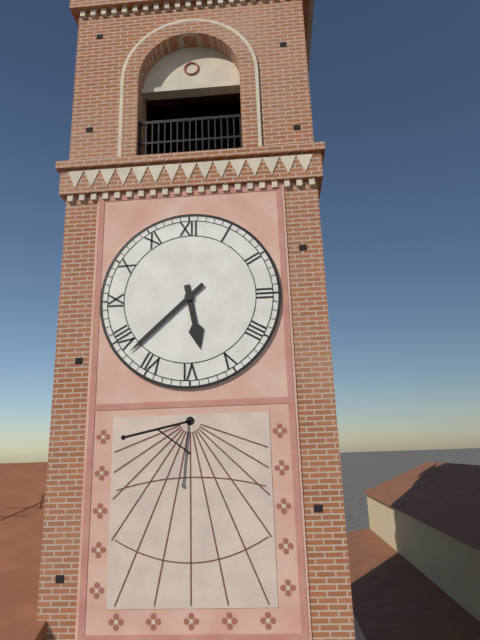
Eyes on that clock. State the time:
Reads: 5:38
